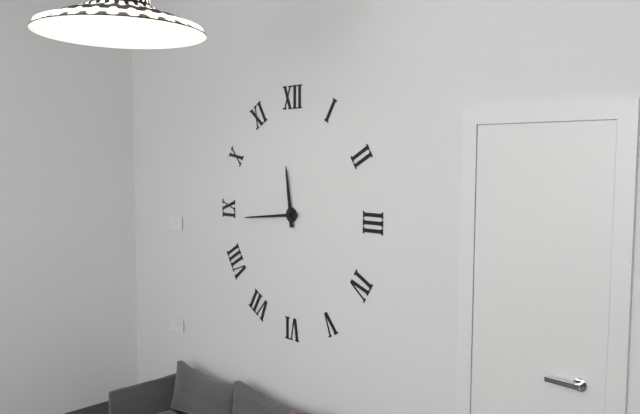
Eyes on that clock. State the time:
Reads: 11:44
